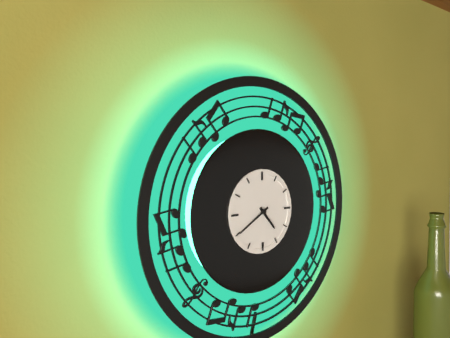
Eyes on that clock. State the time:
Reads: 4:40
